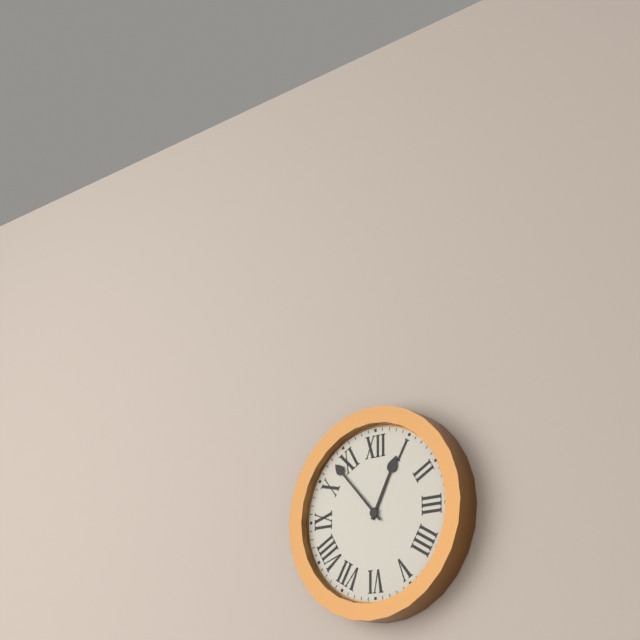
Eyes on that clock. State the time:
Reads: 12:53
